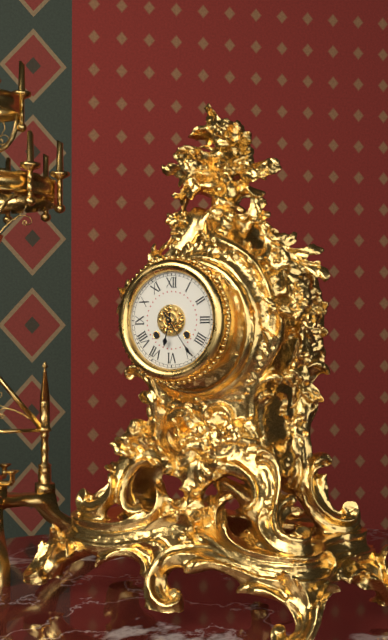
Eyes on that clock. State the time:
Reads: 6:24
